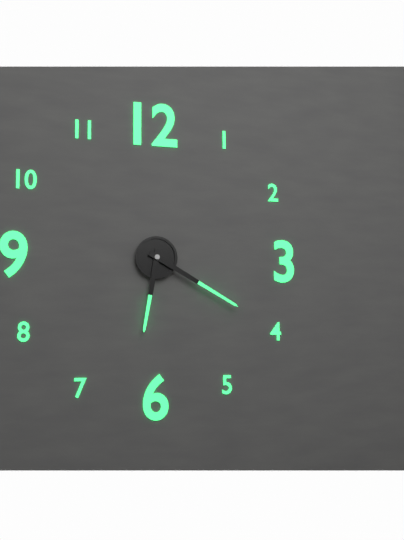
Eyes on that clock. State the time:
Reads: 6:20
